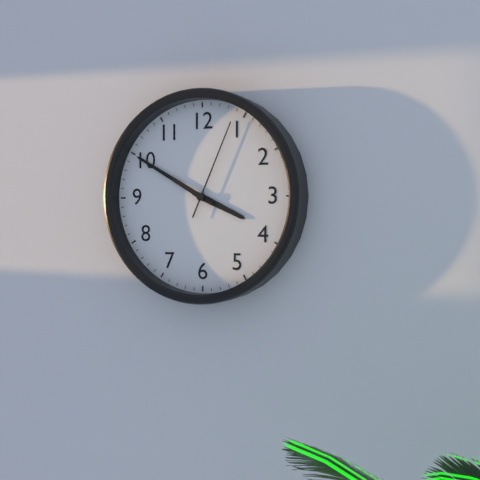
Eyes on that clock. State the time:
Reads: 3:50:04
